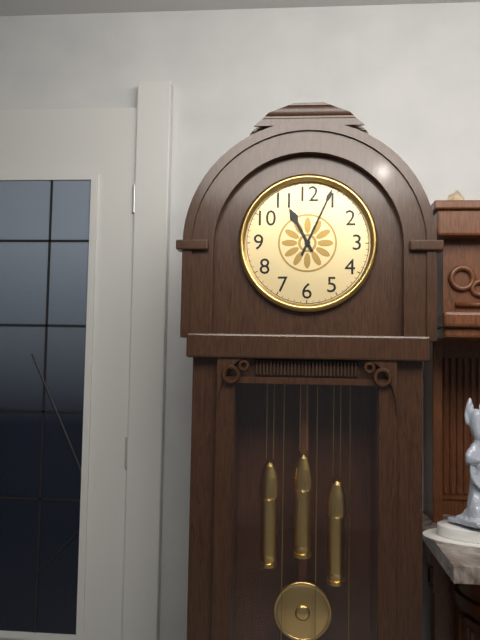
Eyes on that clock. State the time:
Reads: 11:04
